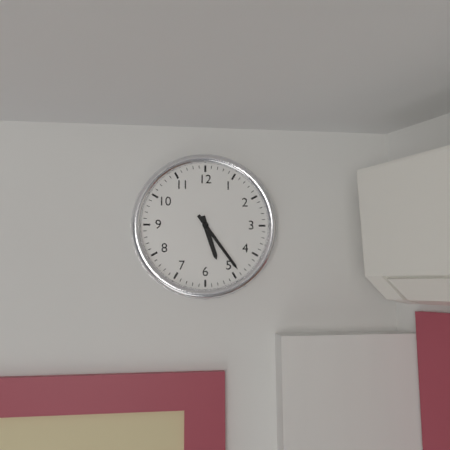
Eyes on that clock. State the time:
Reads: 5:24
